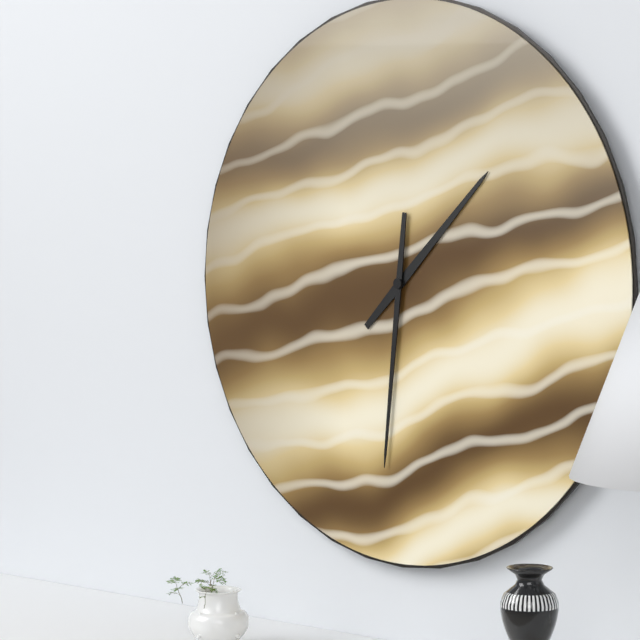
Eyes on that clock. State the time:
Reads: 1:31
